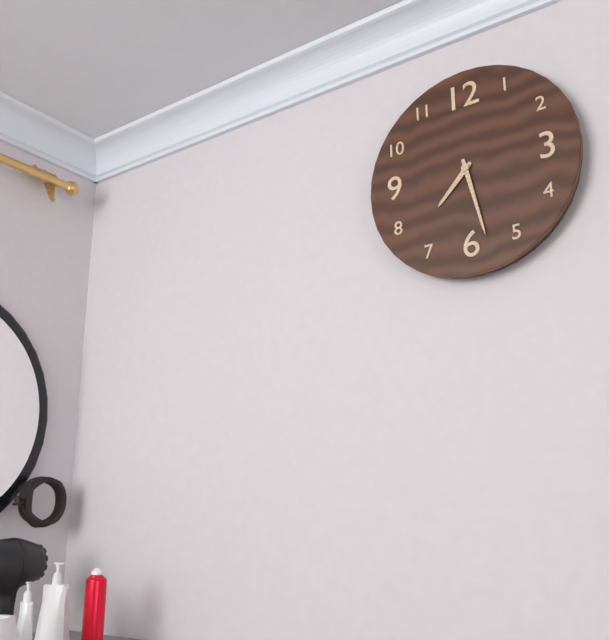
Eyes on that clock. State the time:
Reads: 7:28
